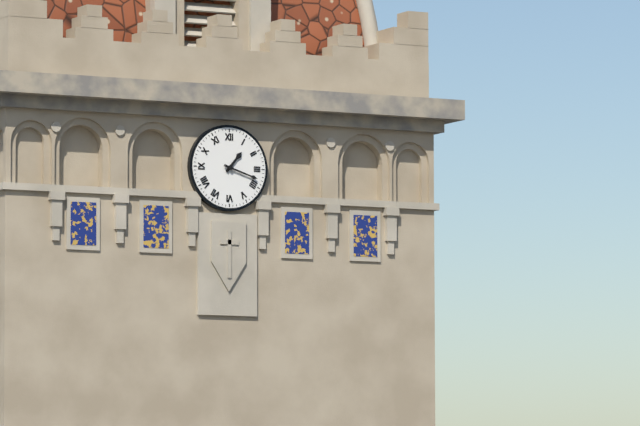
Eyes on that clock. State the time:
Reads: 1:18
